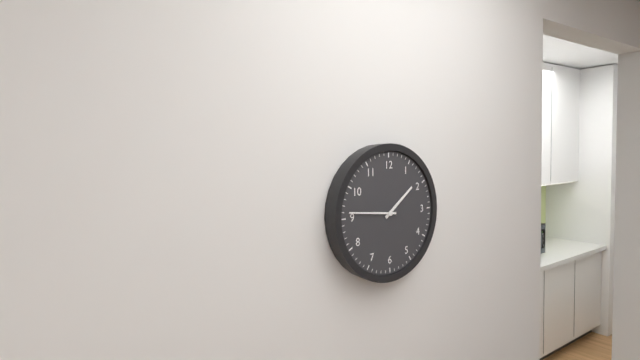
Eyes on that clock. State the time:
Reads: 1:46
